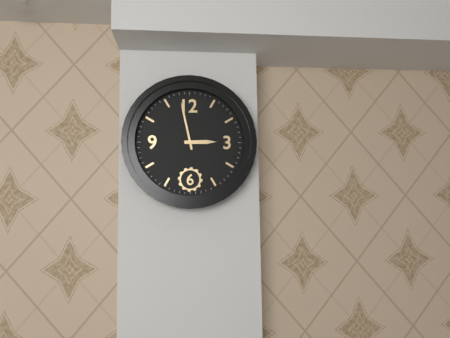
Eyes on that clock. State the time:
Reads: 2:58
